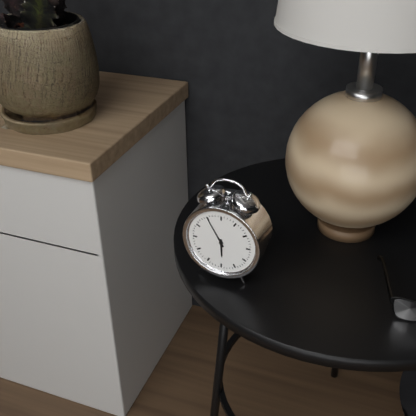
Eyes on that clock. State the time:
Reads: 5:55
